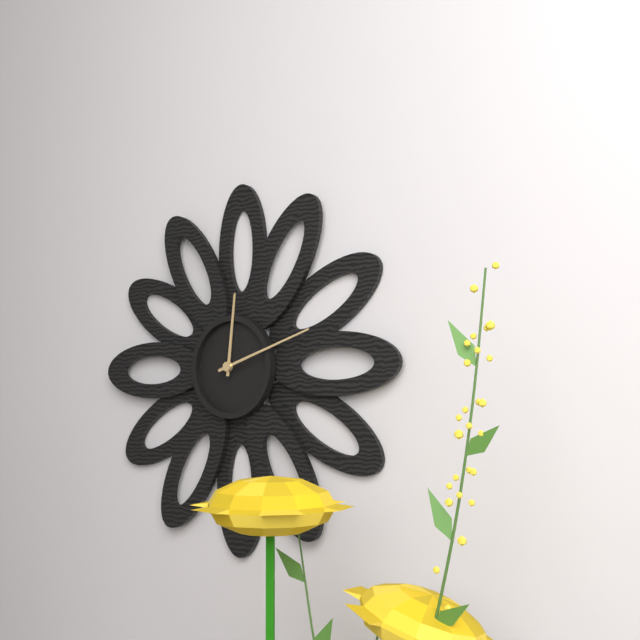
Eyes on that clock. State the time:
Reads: 12:12
